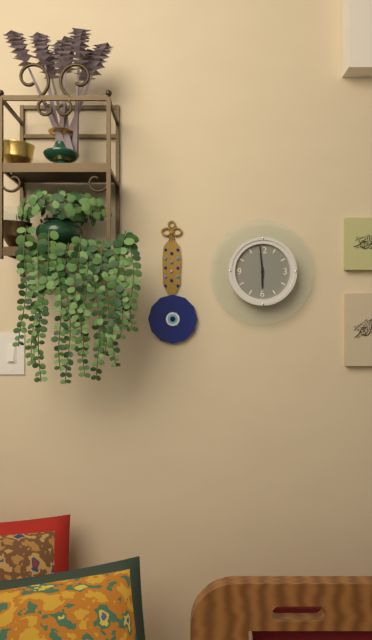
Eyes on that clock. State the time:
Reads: 5:59
